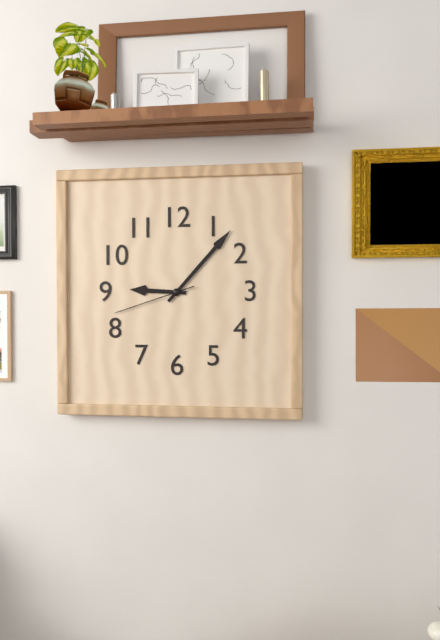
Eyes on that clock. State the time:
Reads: 9:07:42
